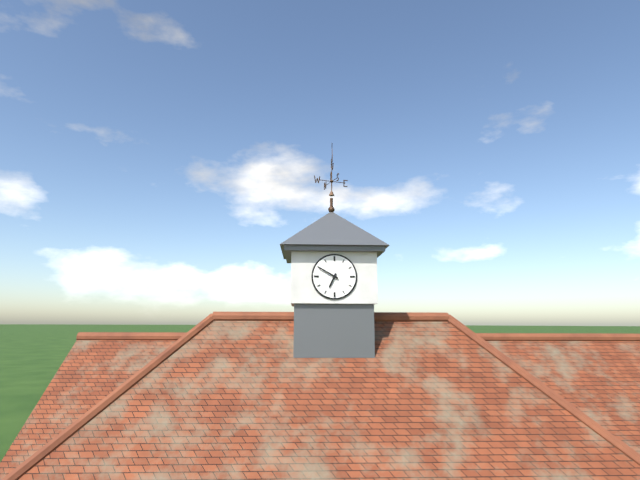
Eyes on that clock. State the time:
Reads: 6:50
